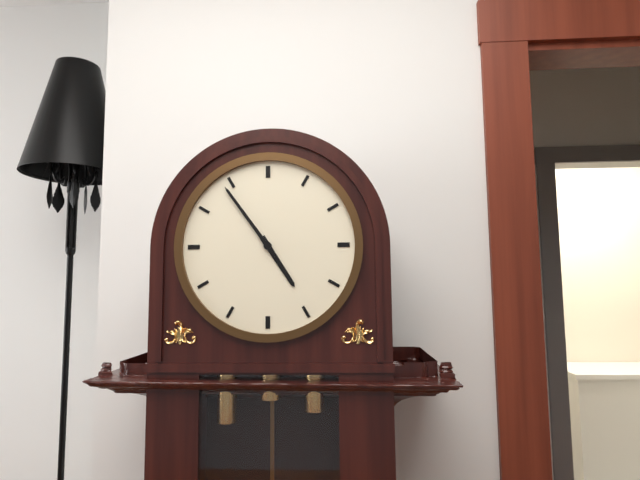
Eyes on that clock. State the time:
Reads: 4:54
